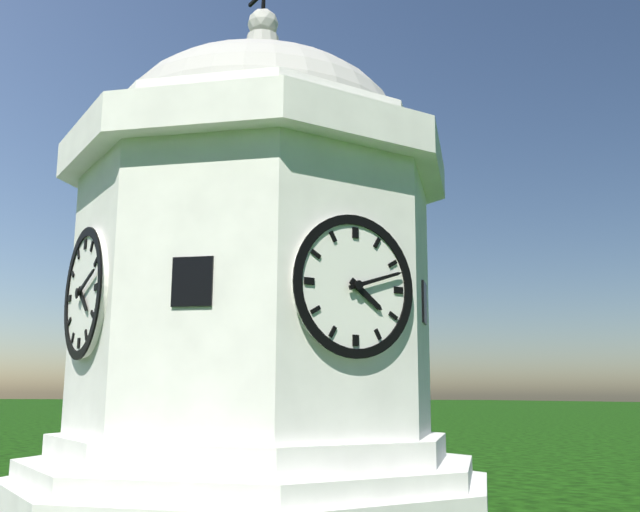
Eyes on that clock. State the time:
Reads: 4:12
